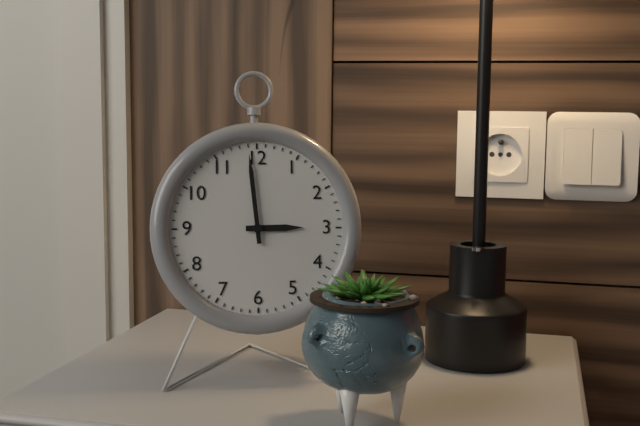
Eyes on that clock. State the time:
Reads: 2:59
